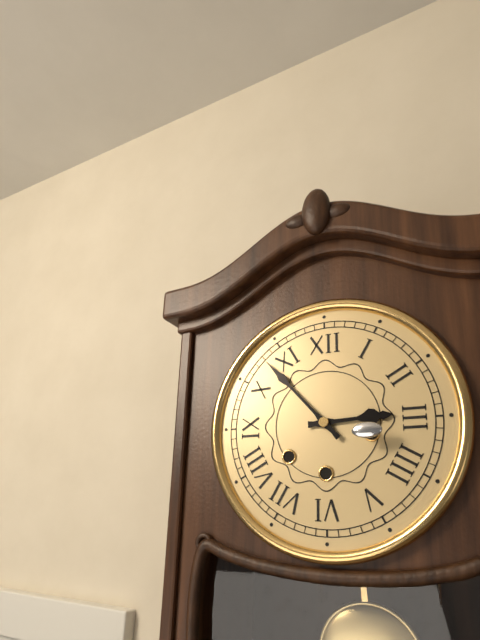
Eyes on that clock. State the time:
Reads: 2:53
